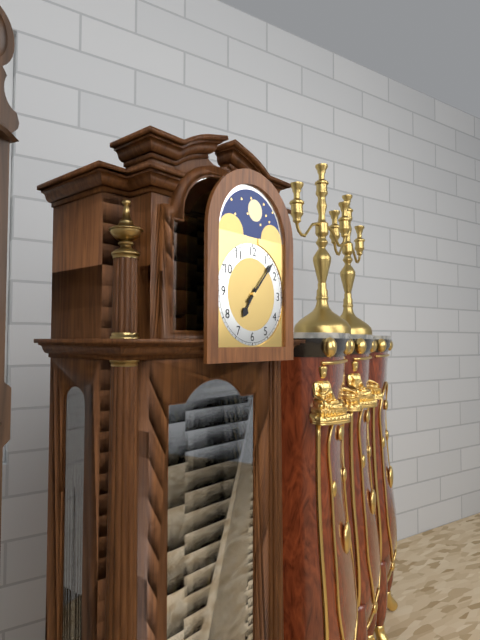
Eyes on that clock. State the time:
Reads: 7:07
